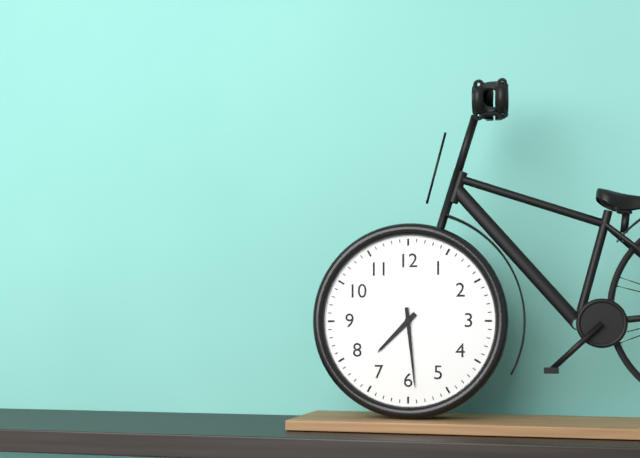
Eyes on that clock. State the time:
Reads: 7:29
